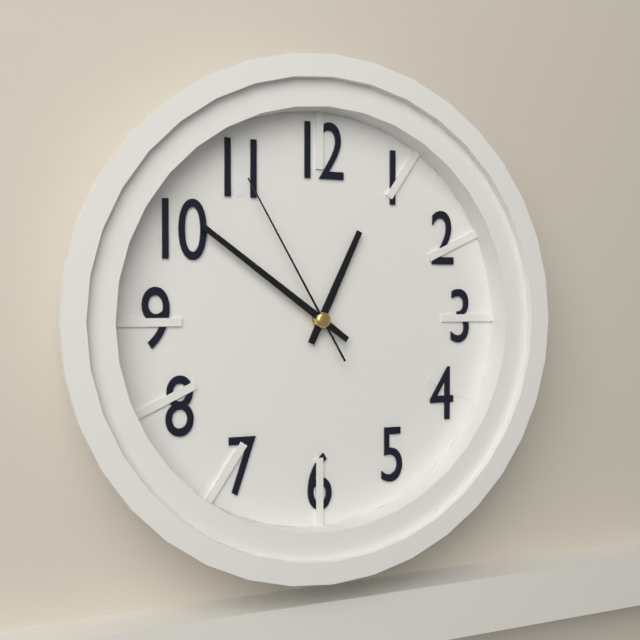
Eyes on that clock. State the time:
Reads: 12:51:55
